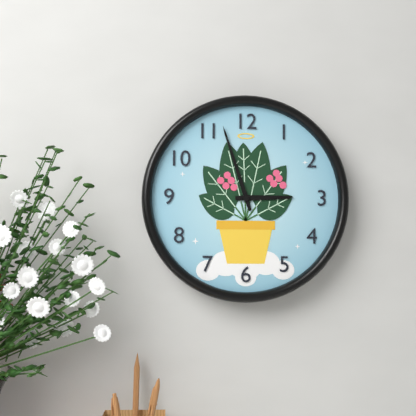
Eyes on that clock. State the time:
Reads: 2:57
